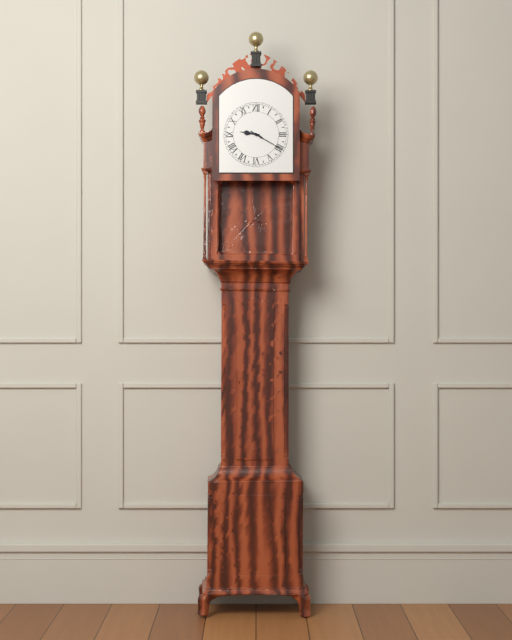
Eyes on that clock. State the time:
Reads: 9:20
